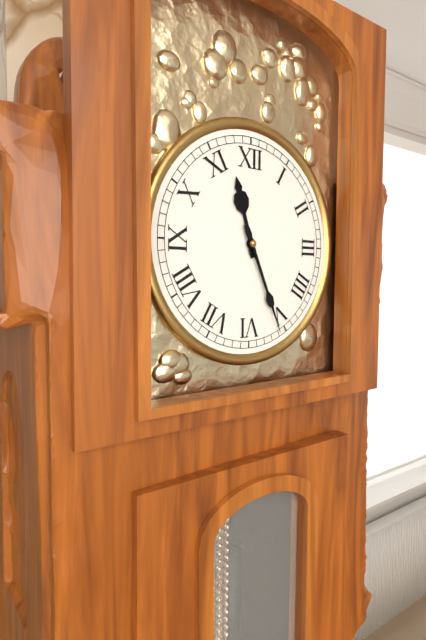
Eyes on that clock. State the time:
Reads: 11:26
